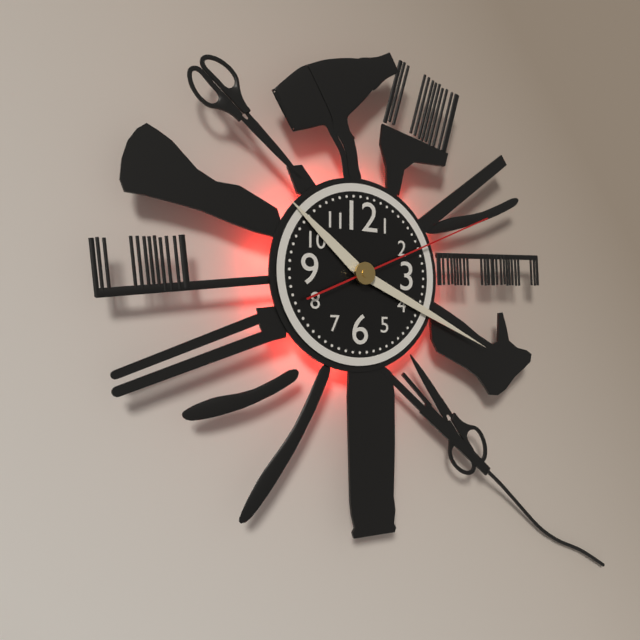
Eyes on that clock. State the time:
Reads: 10:19:11
